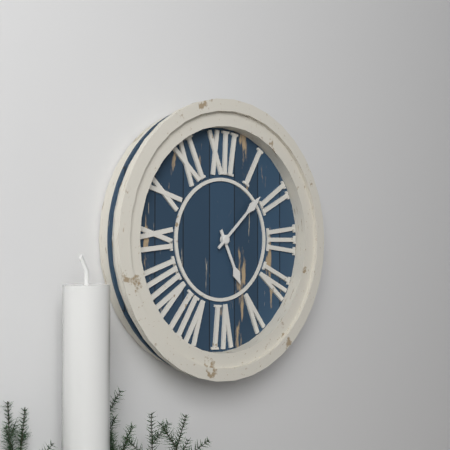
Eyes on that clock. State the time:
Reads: 5:08
